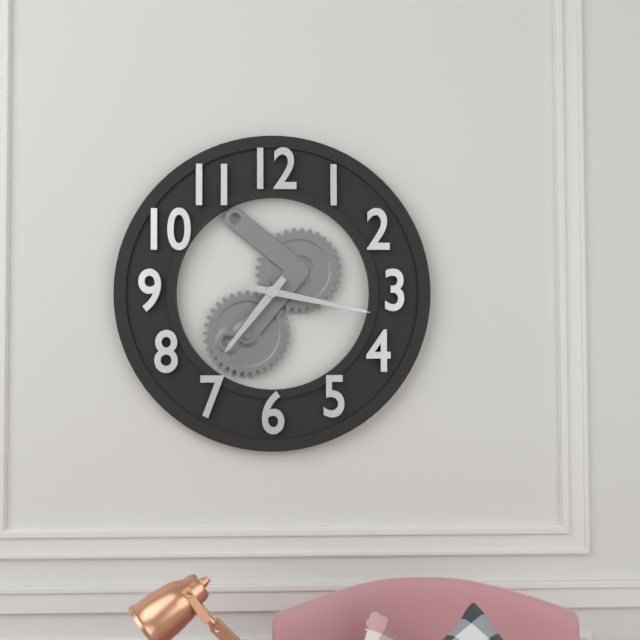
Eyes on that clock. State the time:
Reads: 7:17
